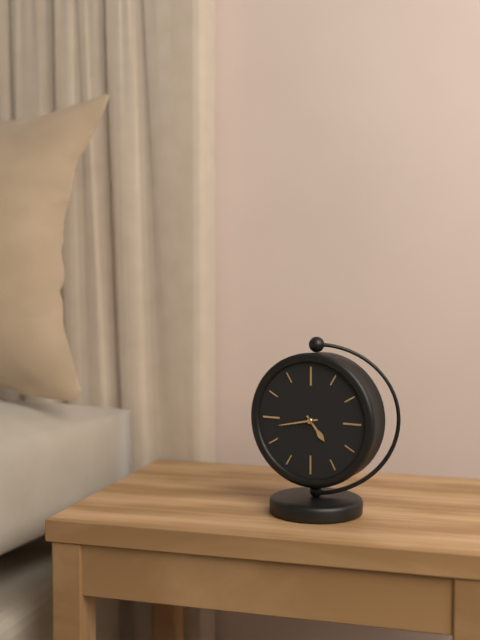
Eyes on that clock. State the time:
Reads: 4:43
